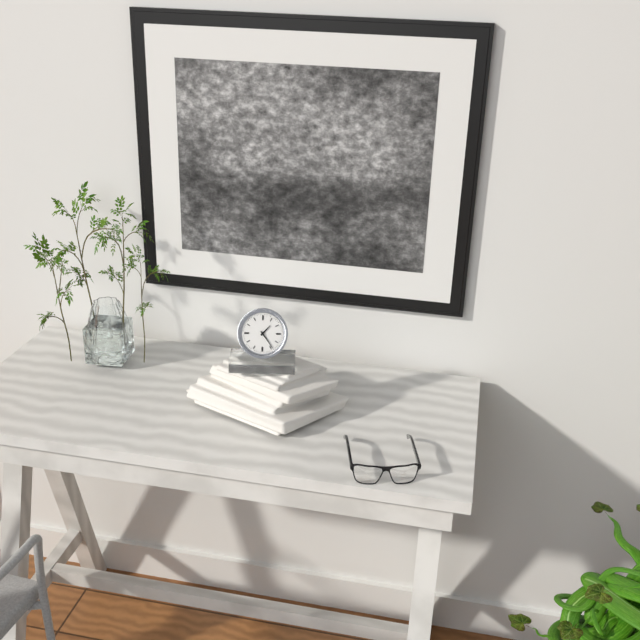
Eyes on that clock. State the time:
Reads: 1:24
